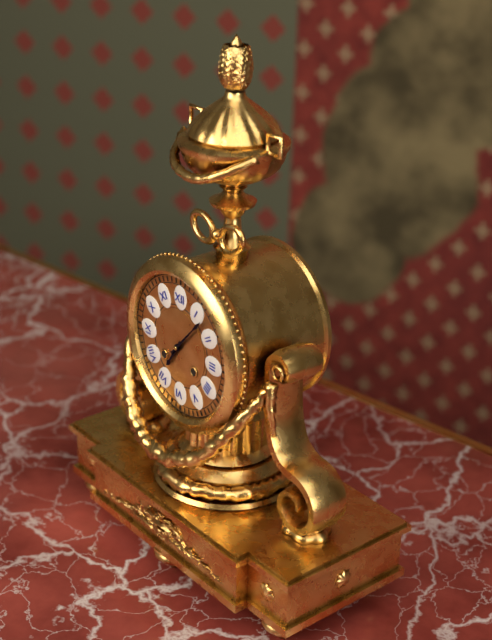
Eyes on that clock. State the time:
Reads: 7:07
